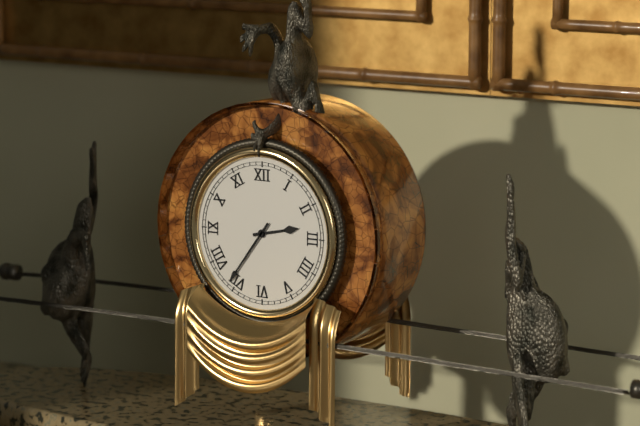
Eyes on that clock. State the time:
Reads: 2:36
